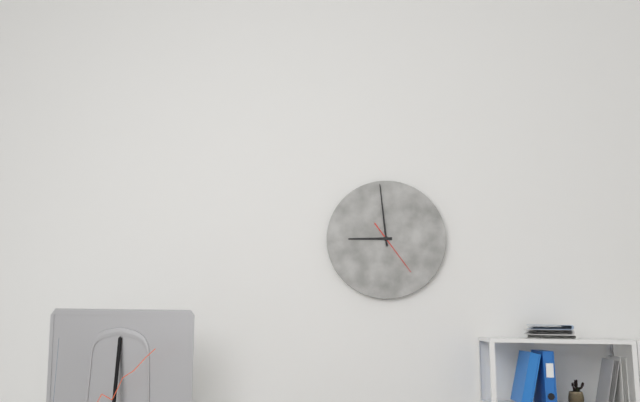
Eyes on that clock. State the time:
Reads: 8:59:24
